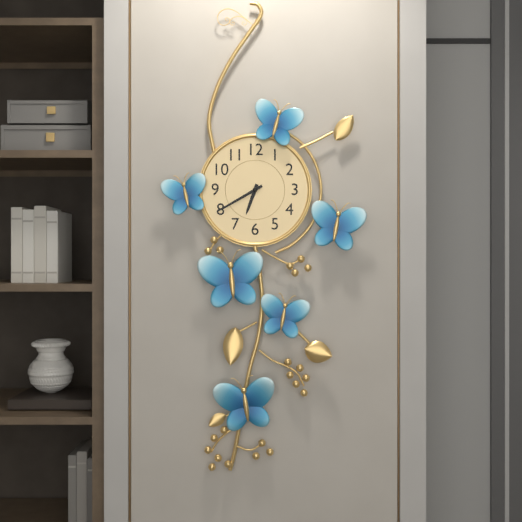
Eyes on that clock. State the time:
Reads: 6:40
